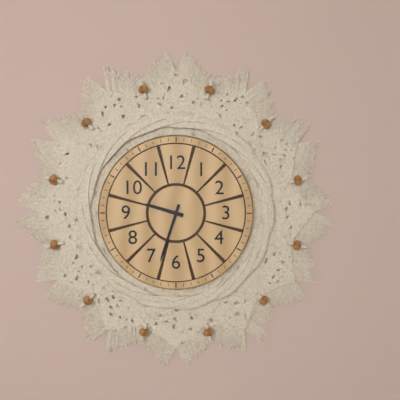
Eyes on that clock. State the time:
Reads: 9:33
